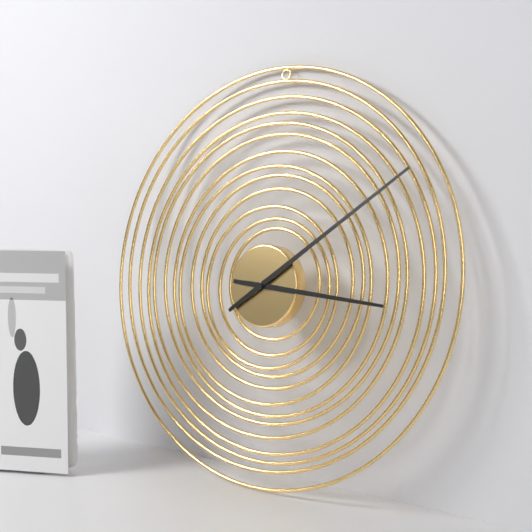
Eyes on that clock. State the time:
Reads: 3:09
